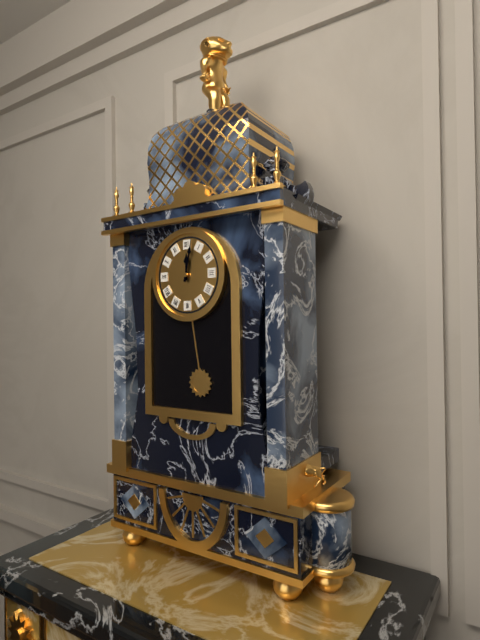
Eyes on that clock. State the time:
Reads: 12:02
